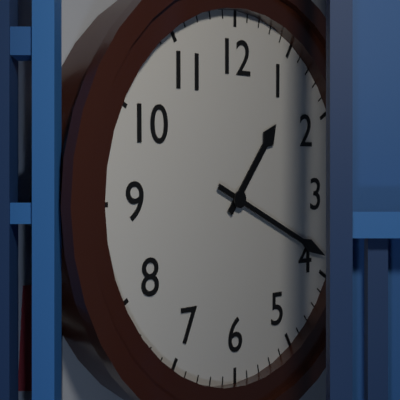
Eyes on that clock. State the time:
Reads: 1:19
